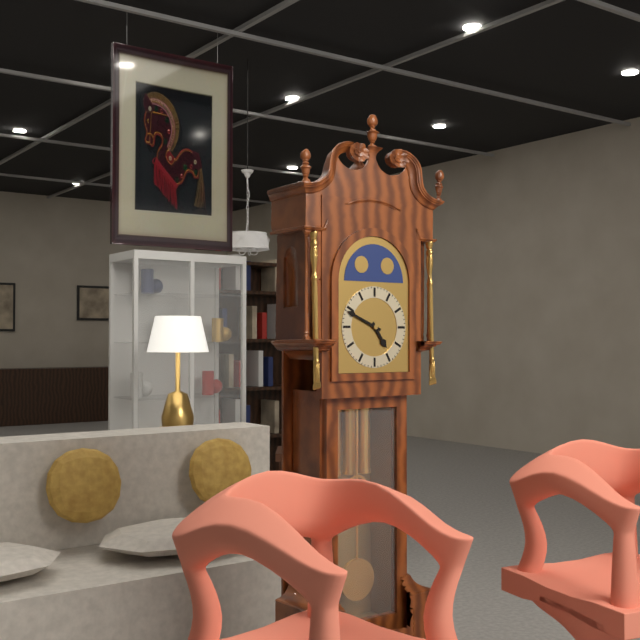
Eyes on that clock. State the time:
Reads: 4:49
